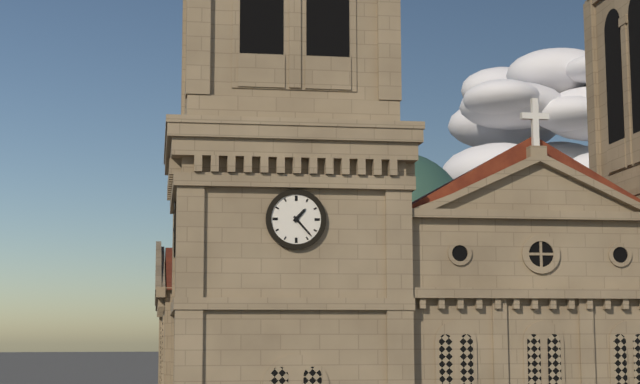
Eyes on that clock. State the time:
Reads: 1:23
